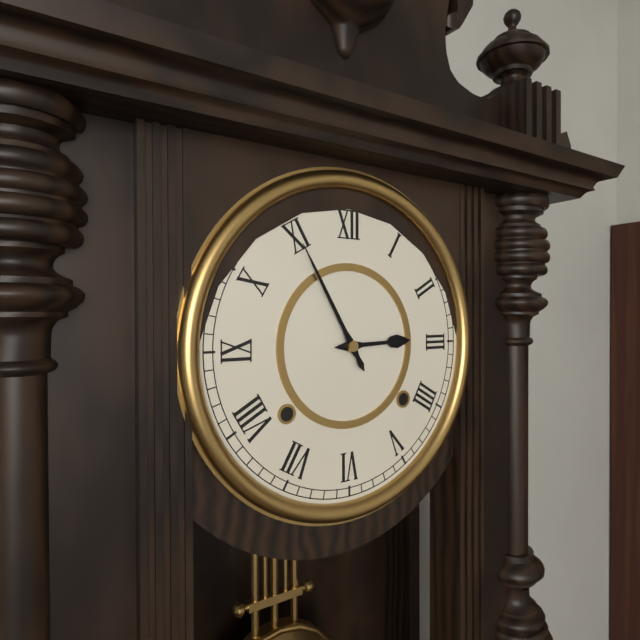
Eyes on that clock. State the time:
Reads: 2:55
